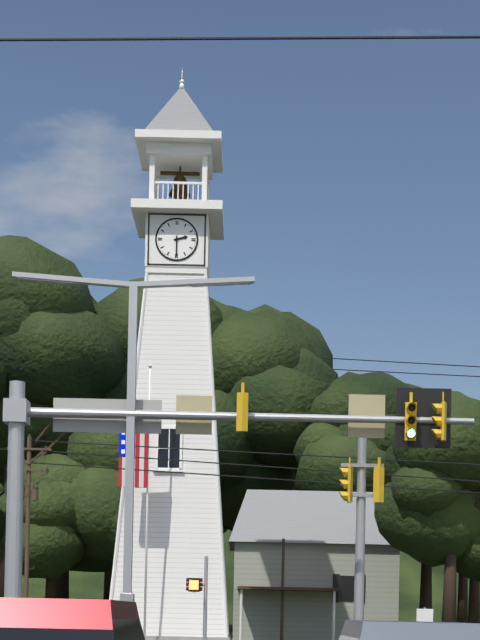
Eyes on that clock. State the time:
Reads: 2:30
